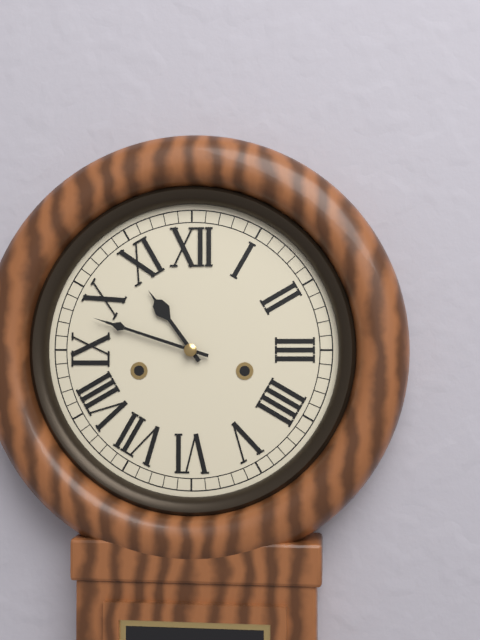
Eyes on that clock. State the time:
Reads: 10:48
